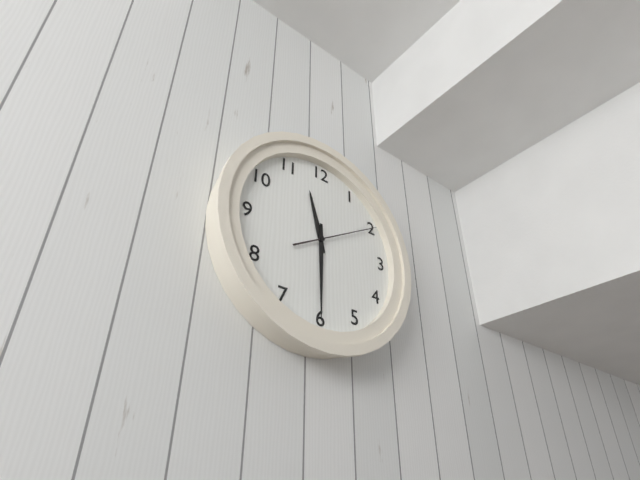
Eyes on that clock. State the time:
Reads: 11:30:10
